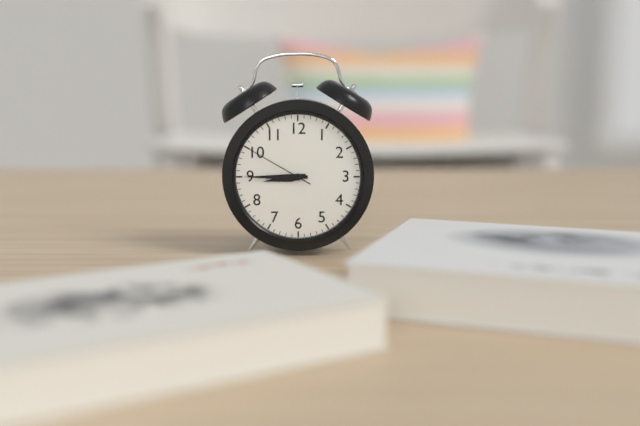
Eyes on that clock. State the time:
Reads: 8:45:50
